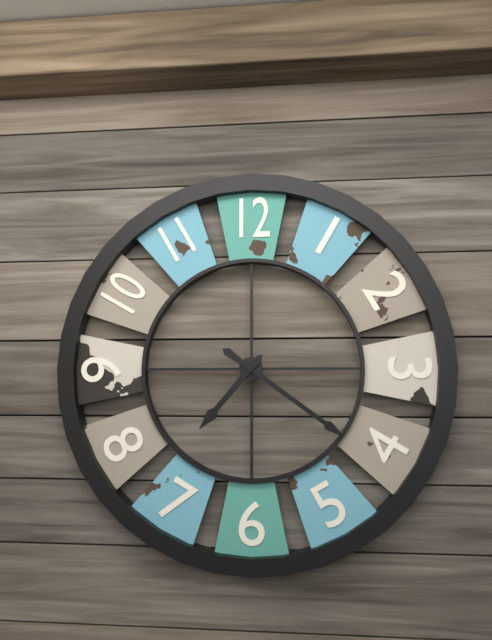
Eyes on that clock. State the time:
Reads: 7:21
